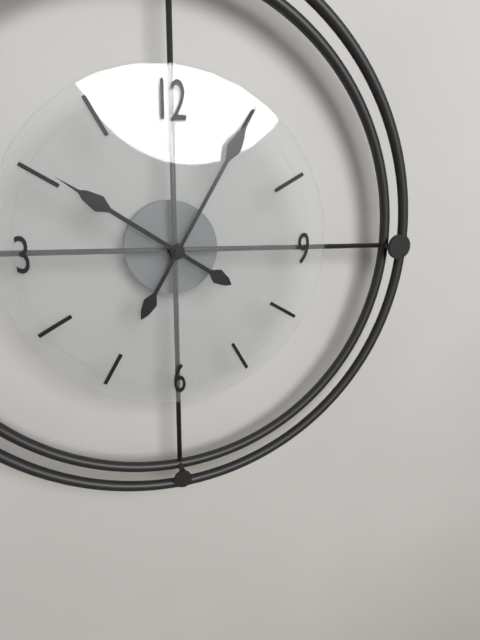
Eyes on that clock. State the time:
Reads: 10:05
